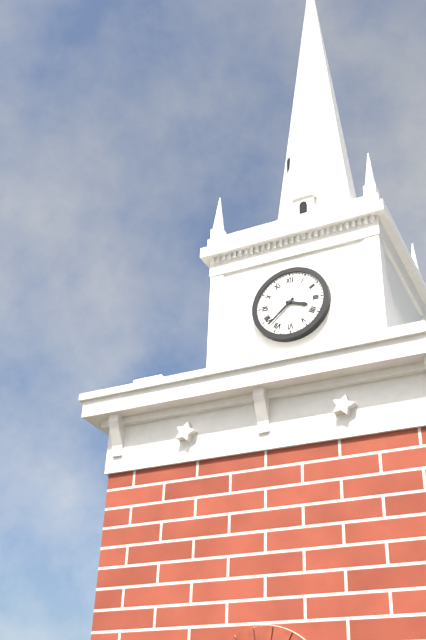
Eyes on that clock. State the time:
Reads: 3:38
